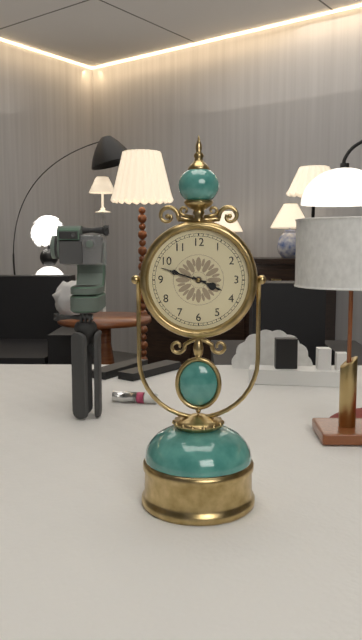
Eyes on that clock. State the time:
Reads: 3:48
